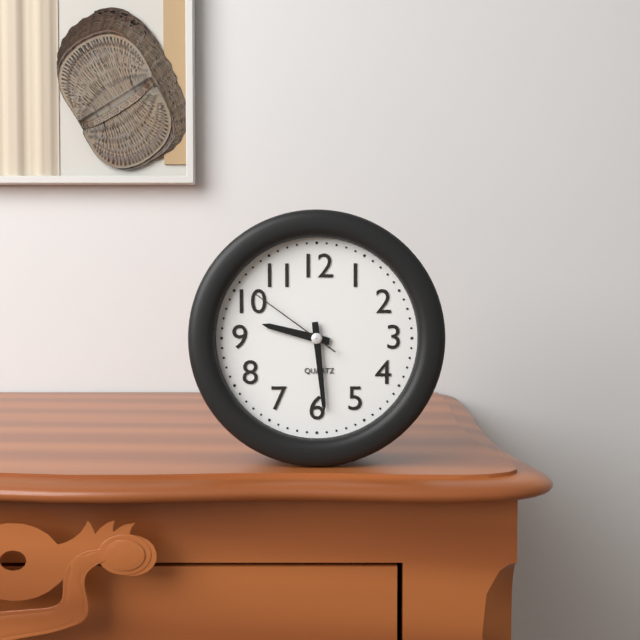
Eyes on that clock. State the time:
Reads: 9:29:51
